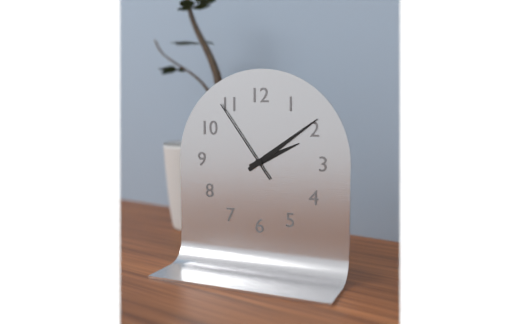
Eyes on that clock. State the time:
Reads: 2:09:54
